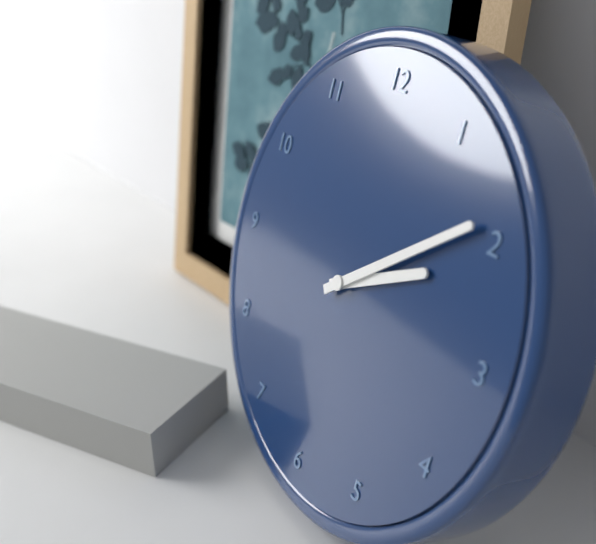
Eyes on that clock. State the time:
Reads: 2:09
